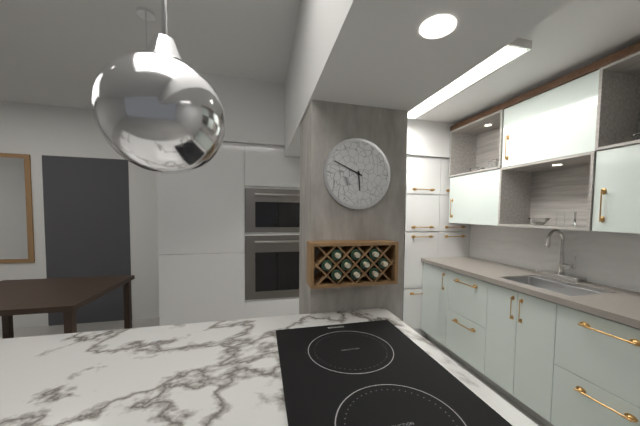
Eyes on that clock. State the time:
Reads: 5:49
